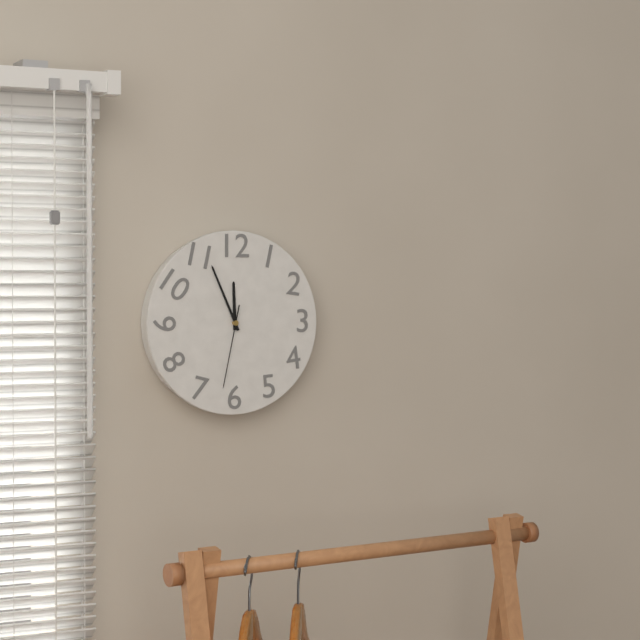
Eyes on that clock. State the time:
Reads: 11:56:32
